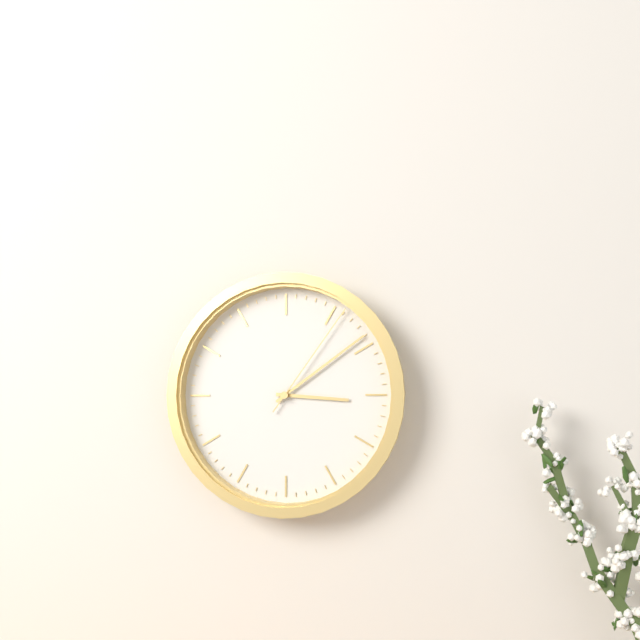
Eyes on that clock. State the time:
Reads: 3:09:06
